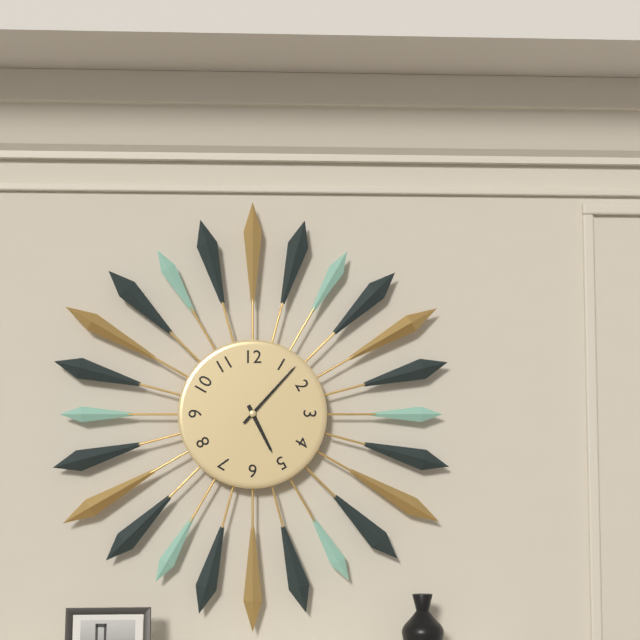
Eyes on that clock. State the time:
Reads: 5:07
